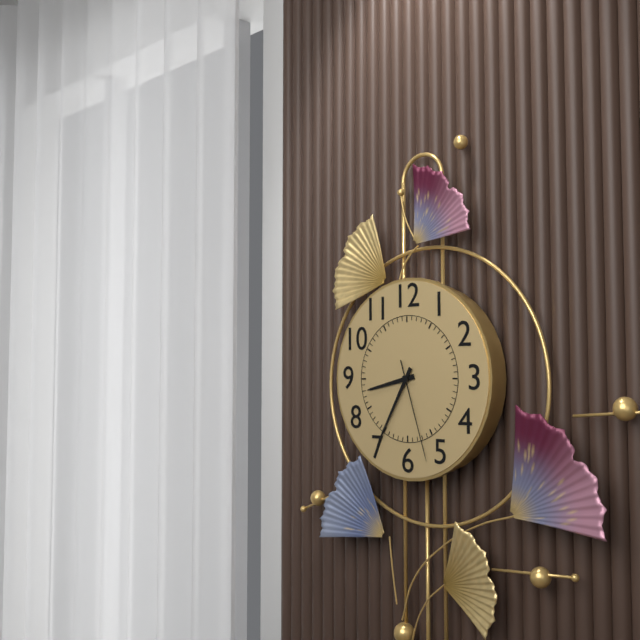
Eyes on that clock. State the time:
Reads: 8:35:27
